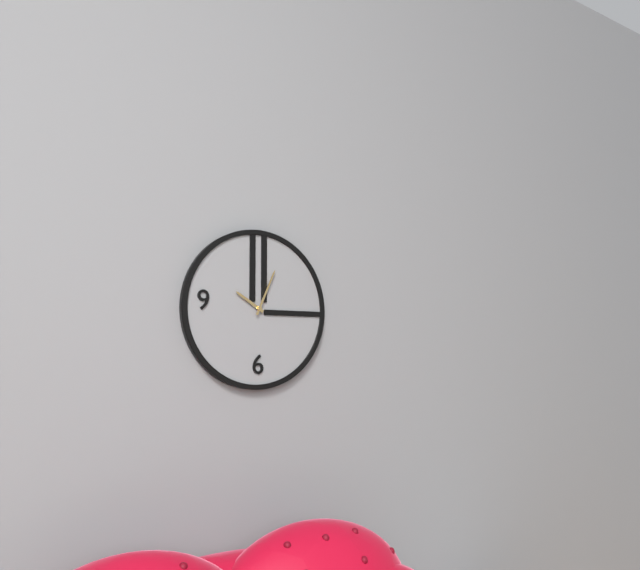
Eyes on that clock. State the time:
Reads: 10:04
